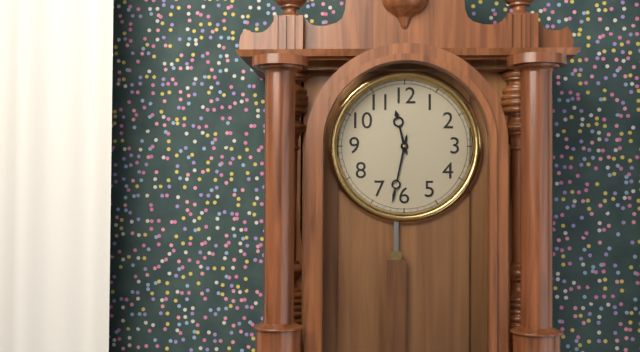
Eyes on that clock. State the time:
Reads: 11:32
